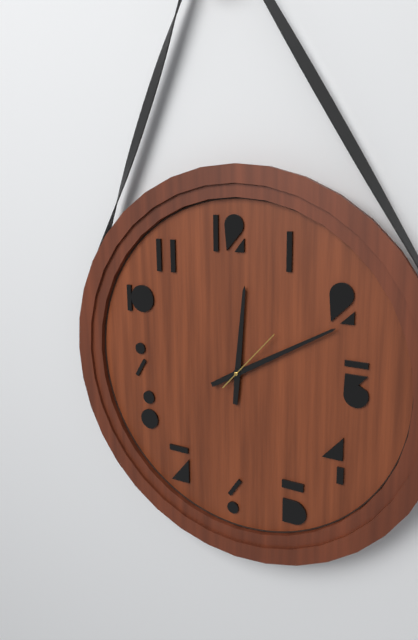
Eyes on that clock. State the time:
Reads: 12:10:07
